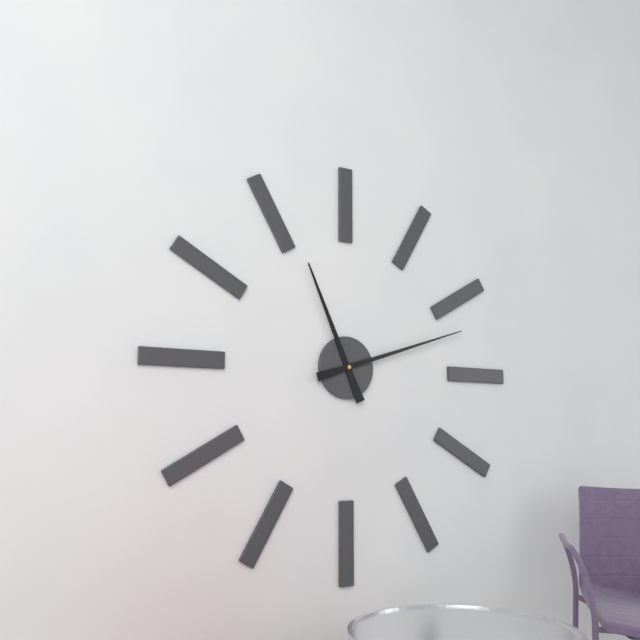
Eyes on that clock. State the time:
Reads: 11:12
